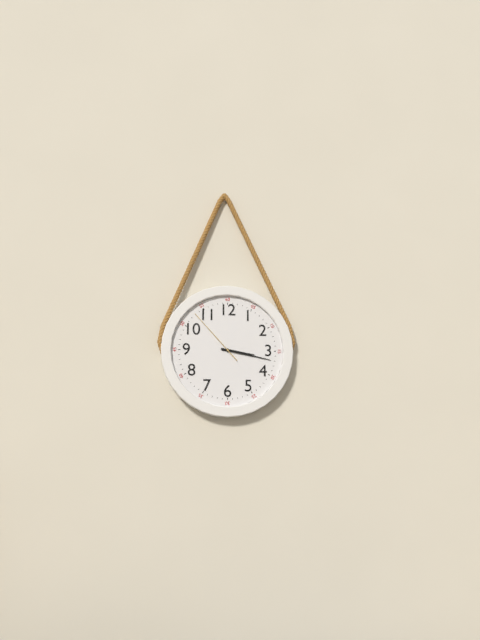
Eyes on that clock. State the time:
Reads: 3:17:53
